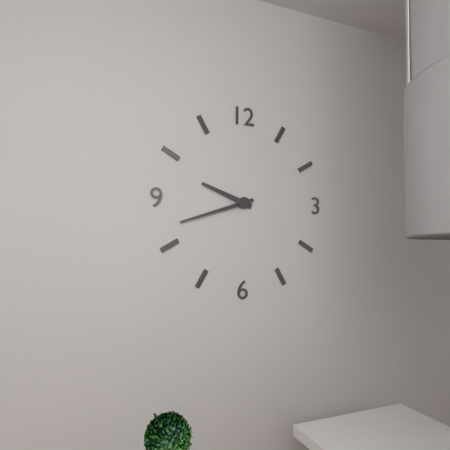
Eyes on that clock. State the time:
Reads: 9:42
